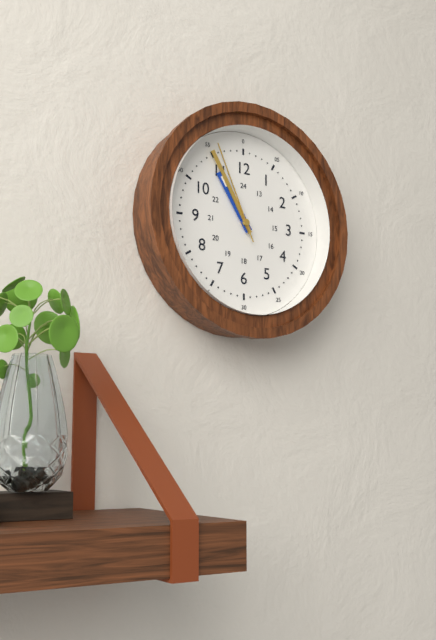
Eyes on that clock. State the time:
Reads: 10:55:56
